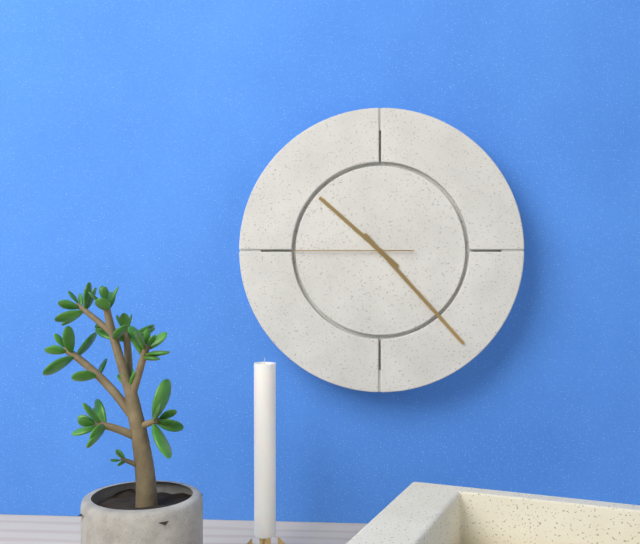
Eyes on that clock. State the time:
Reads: 10:23:45
